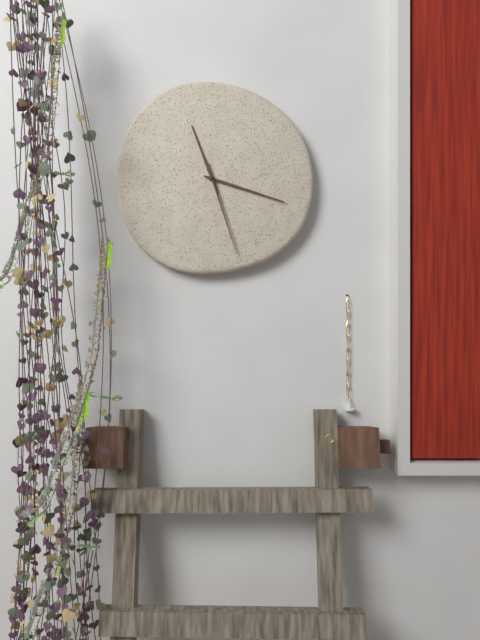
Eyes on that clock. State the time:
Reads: 11:18:27
